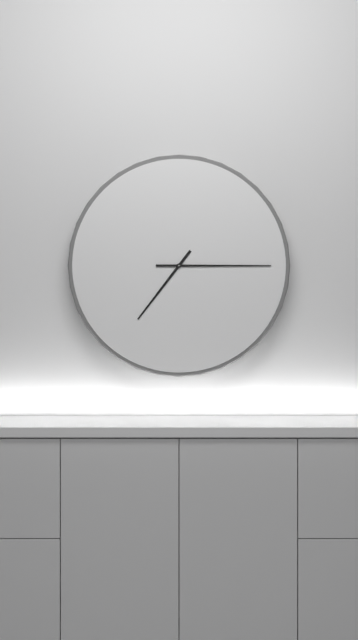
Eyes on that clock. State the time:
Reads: 7:15
